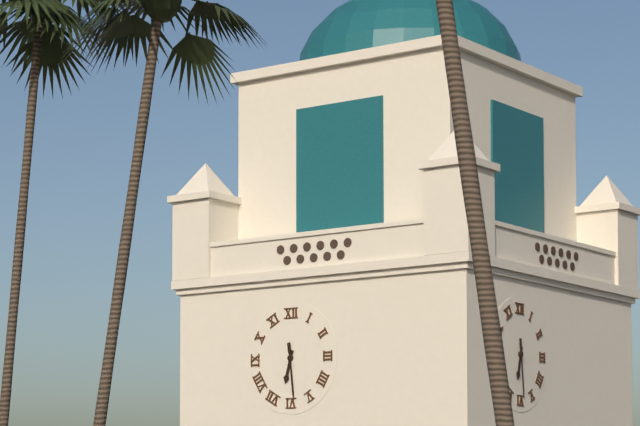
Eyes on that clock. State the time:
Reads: 6:29
